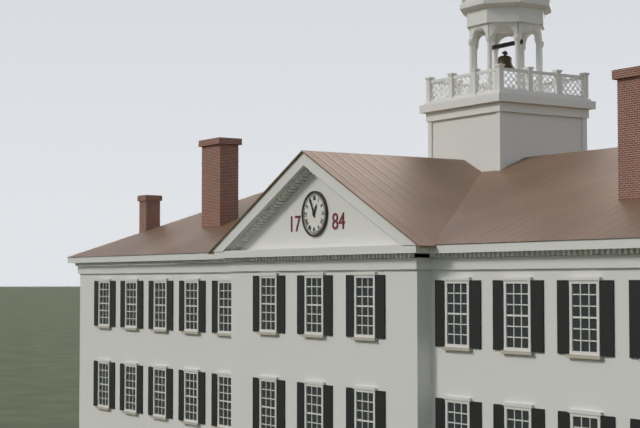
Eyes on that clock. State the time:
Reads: 12:56
